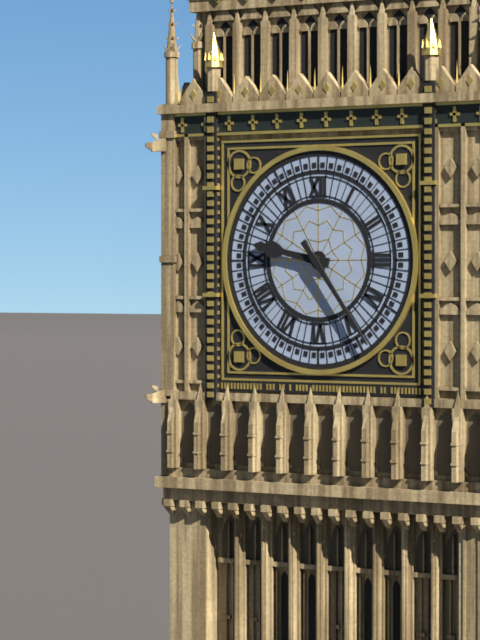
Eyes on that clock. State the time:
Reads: 9:24
